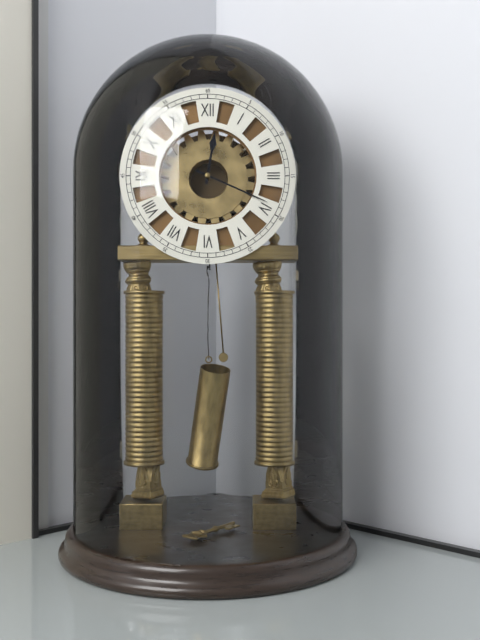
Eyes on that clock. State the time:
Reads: 12:19
